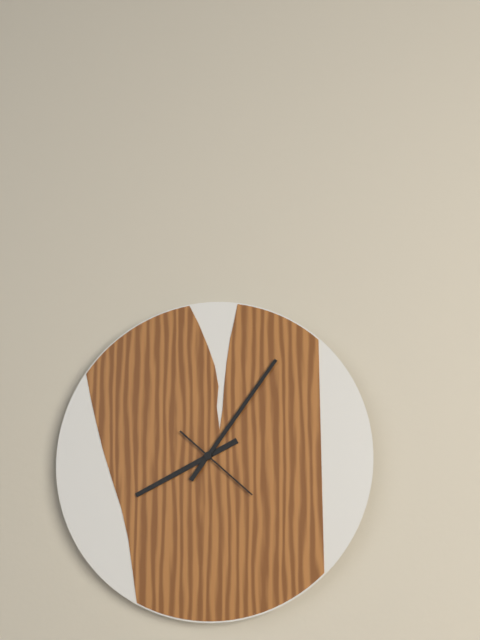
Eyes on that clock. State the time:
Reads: 8:06:22
